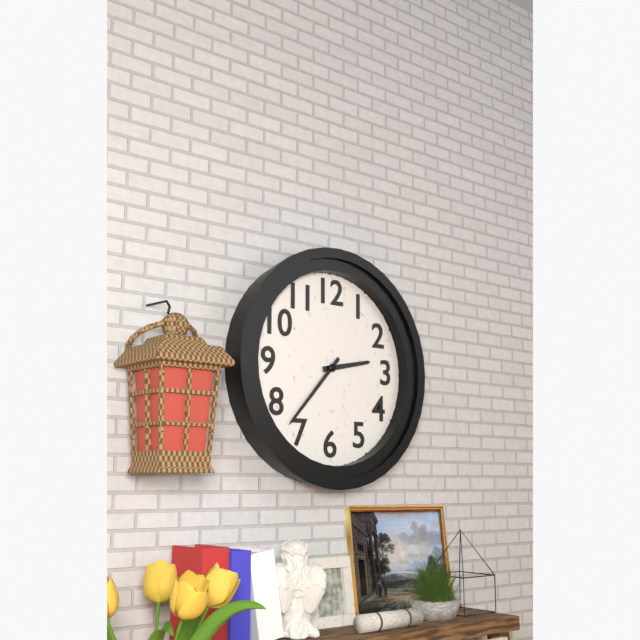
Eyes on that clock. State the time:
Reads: 2:37
